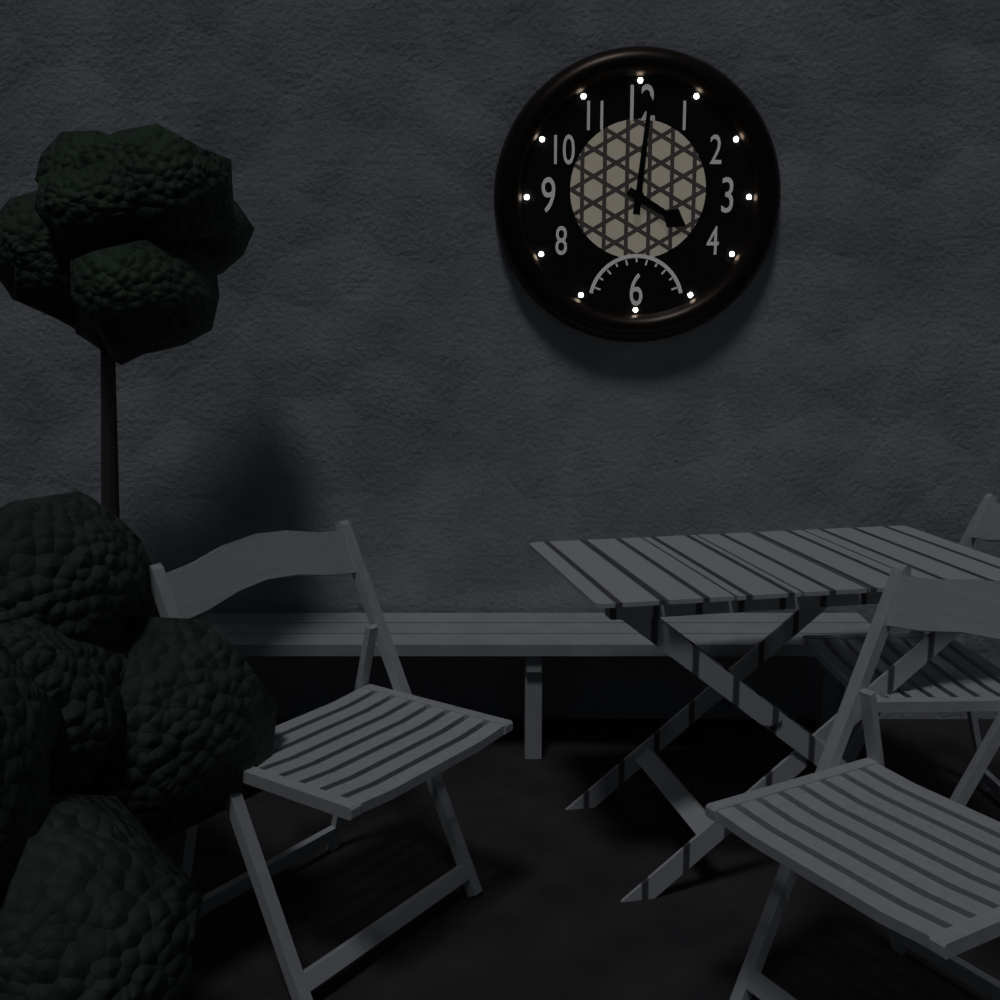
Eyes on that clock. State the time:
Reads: 4:01
